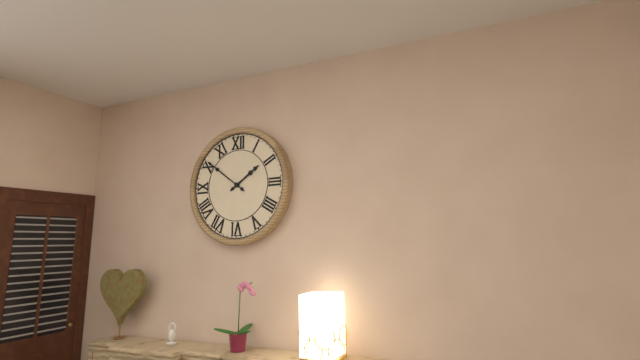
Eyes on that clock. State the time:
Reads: 1:51
